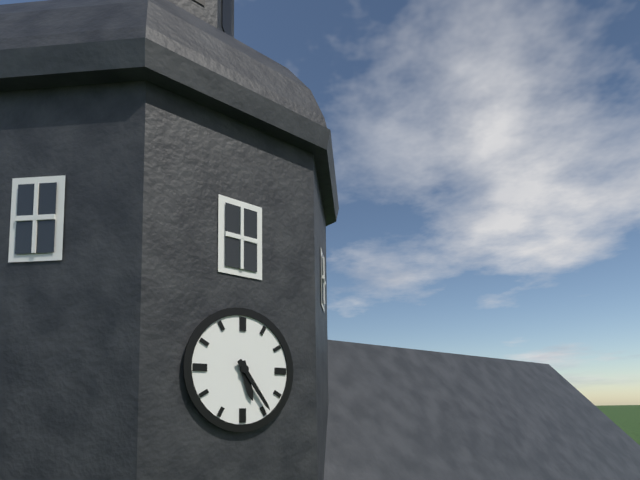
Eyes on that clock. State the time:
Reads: 5:24
